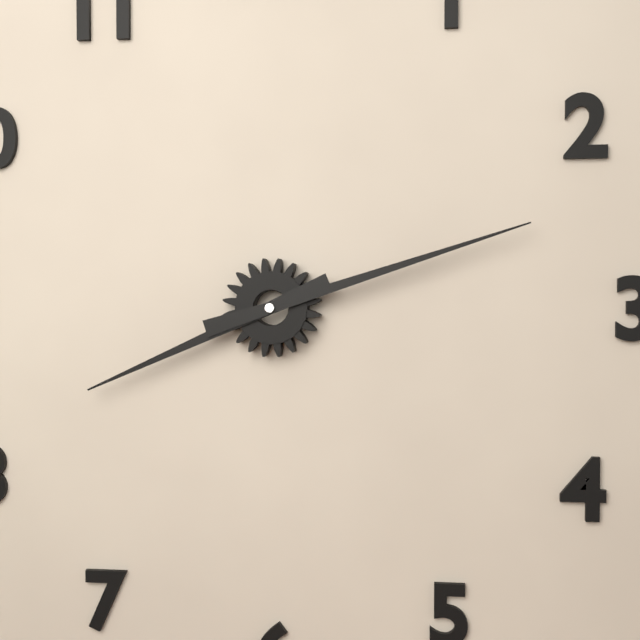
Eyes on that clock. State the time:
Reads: 8:12
